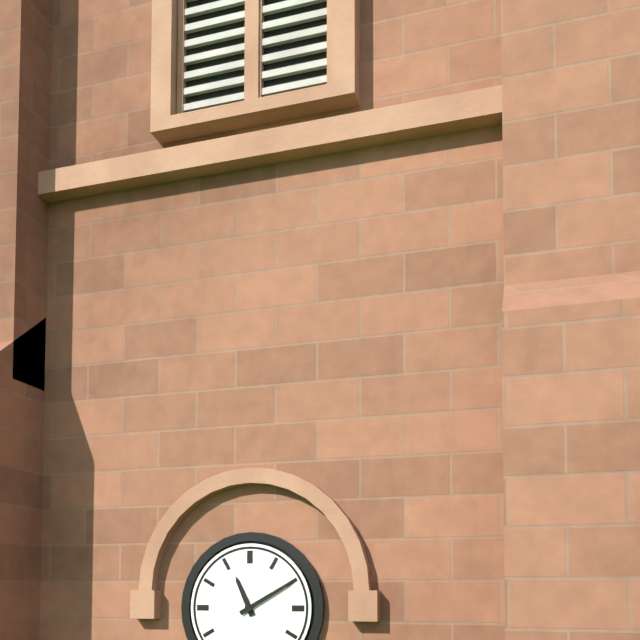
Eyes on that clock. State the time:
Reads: 11:10
